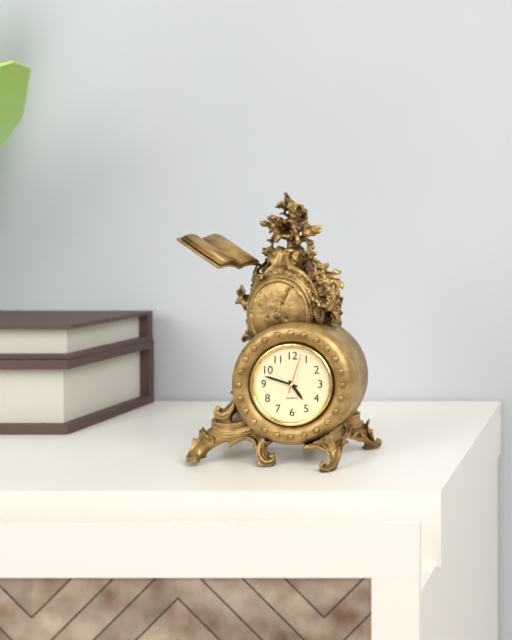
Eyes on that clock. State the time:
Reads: 4:48
